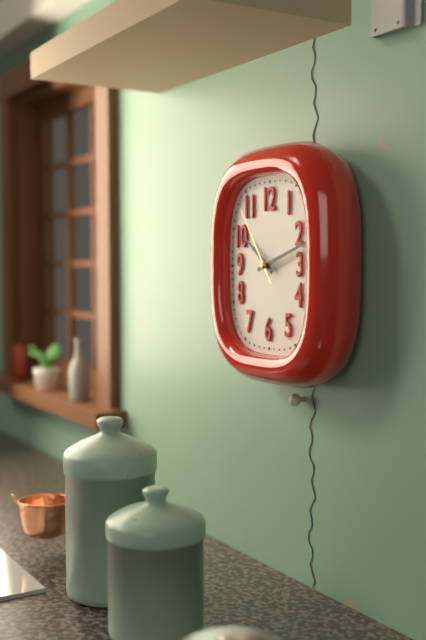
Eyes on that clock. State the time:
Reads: 10:12:54
